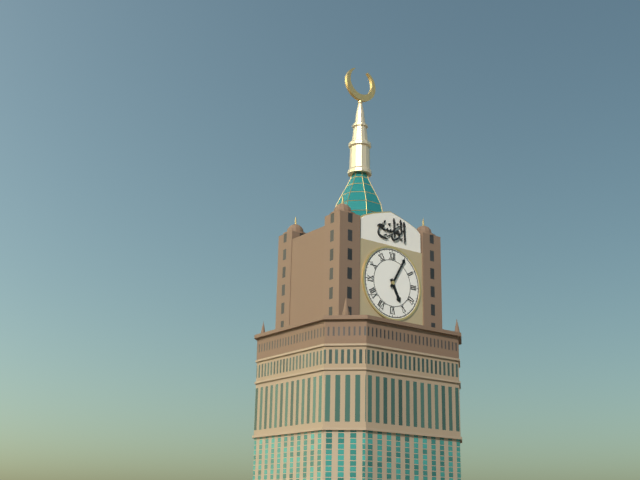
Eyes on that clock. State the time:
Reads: 5:05
